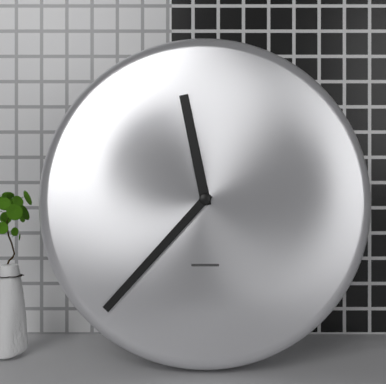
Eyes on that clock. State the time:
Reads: 11:37
